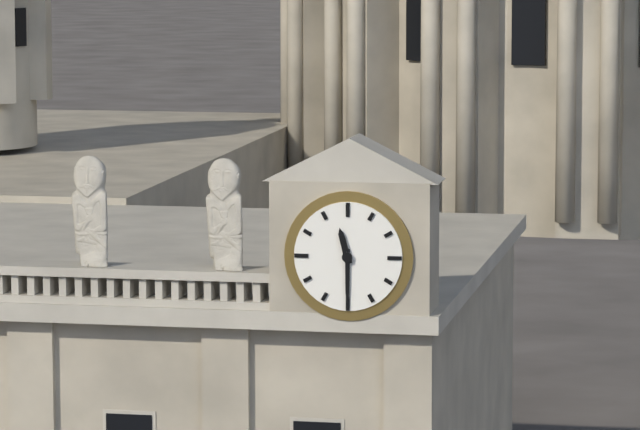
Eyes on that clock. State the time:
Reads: 11:30
